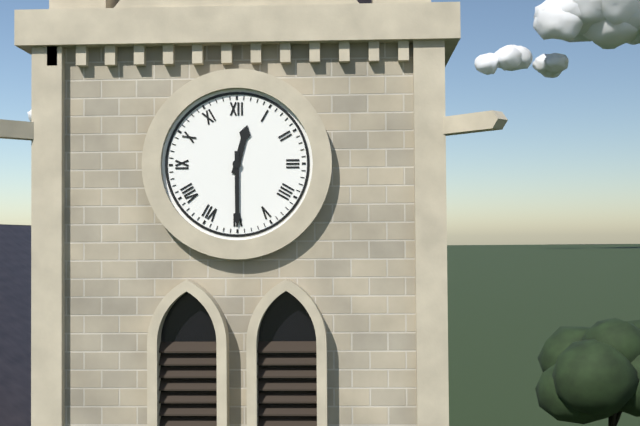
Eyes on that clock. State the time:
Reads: 12:30
